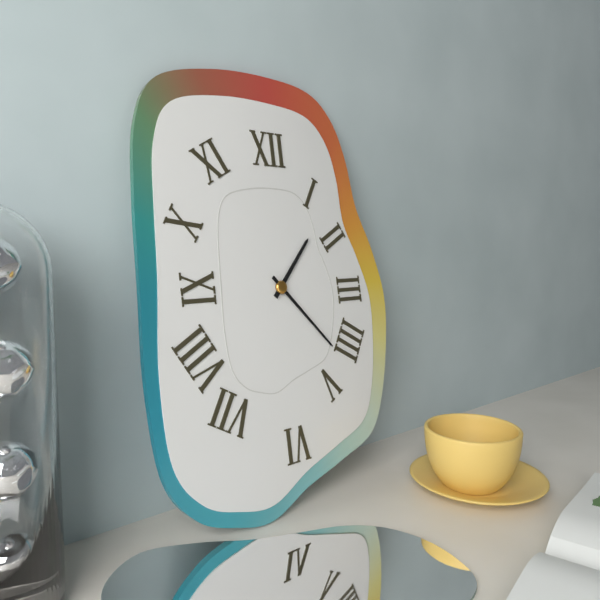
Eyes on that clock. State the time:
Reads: 1:23
